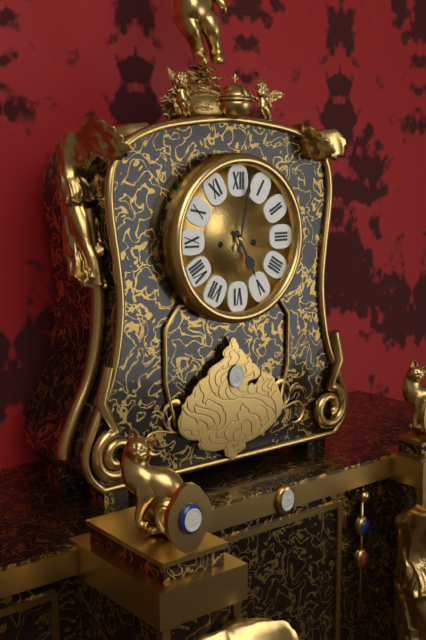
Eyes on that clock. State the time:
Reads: 5:02
